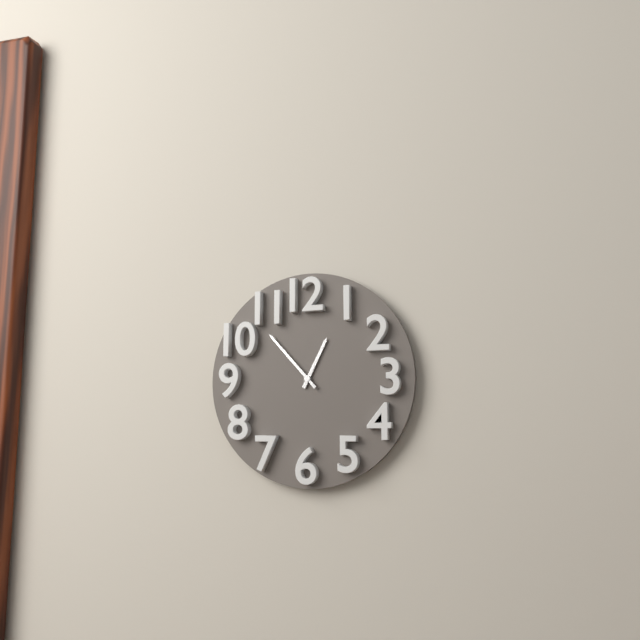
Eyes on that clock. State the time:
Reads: 12:53
